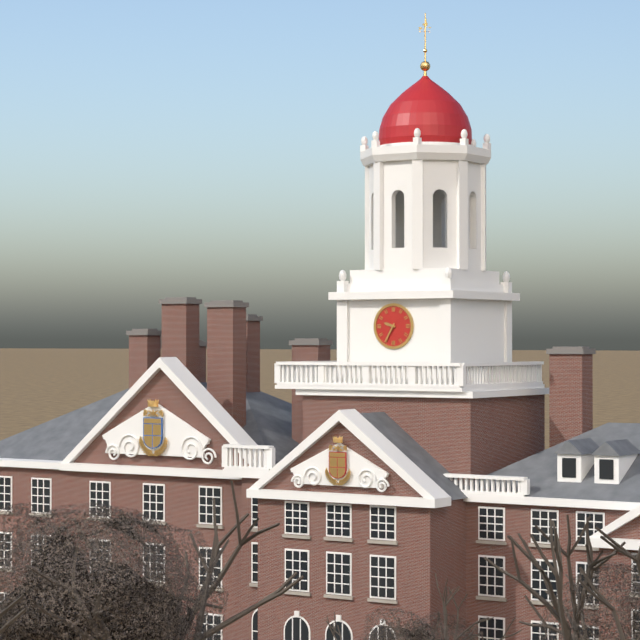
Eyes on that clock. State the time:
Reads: 9:35
